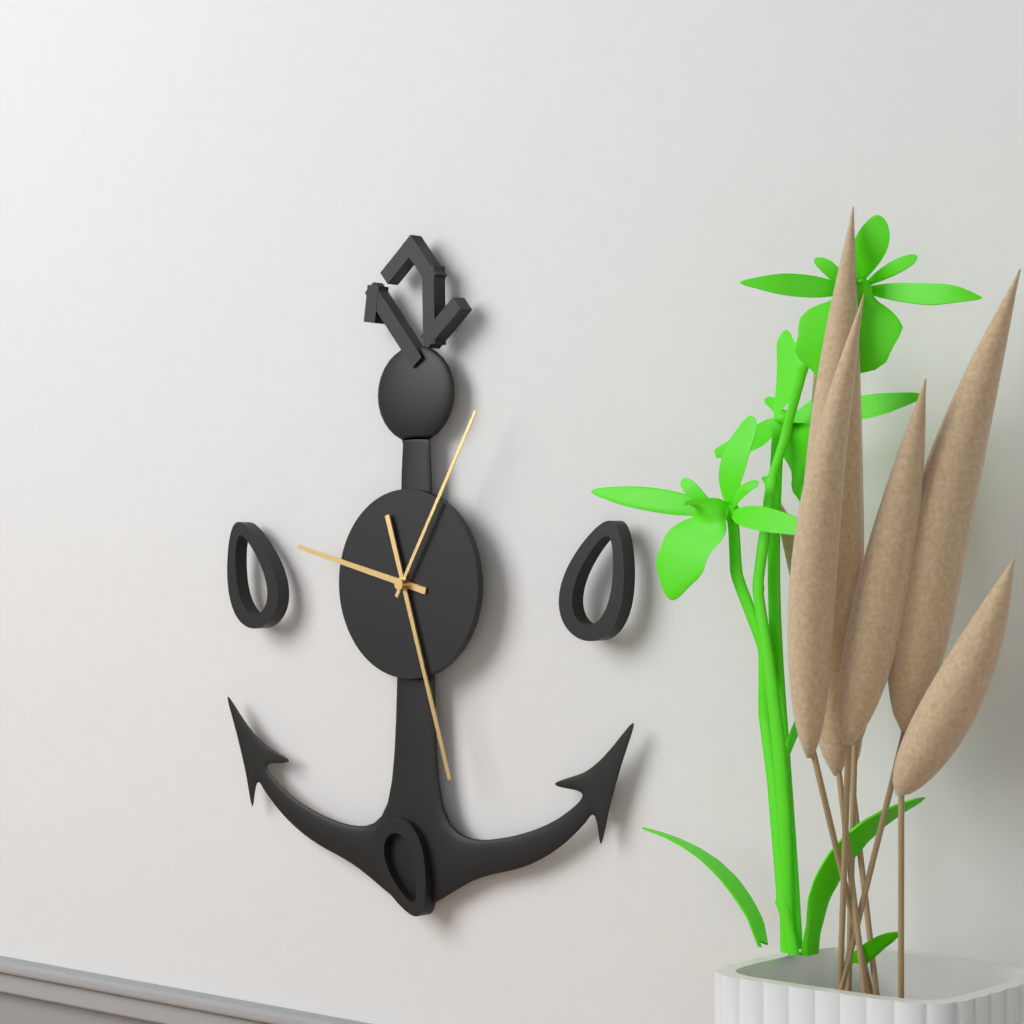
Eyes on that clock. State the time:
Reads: 9:27:05
